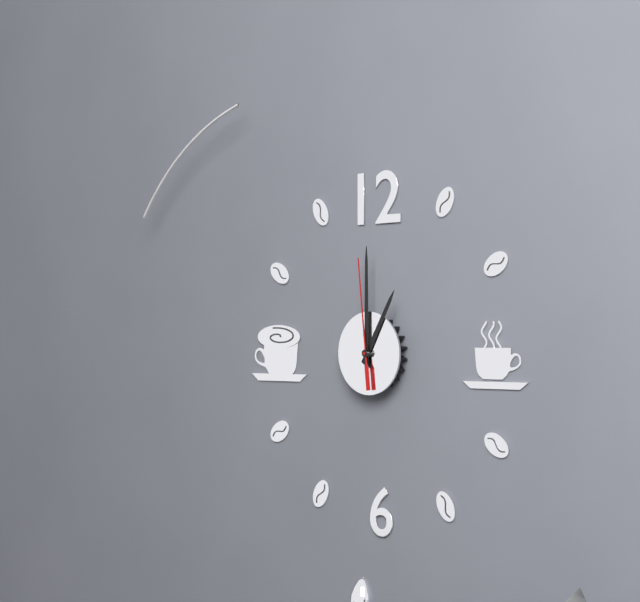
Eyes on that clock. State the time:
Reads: 1:00:59
